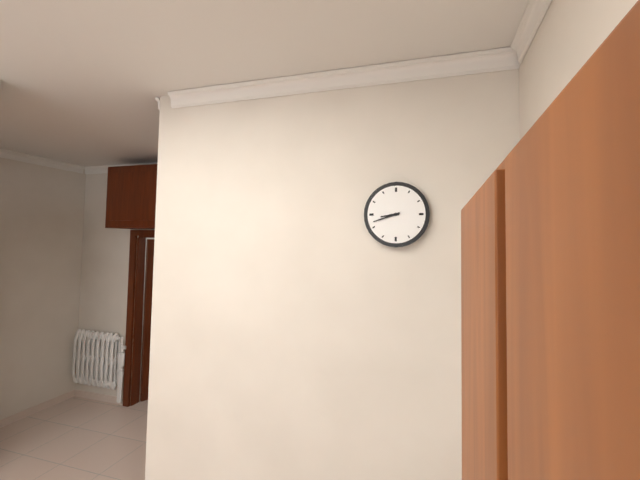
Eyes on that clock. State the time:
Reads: 8:42
